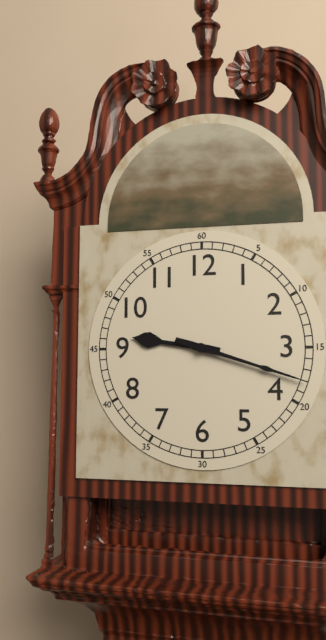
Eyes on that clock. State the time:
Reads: 9:18
